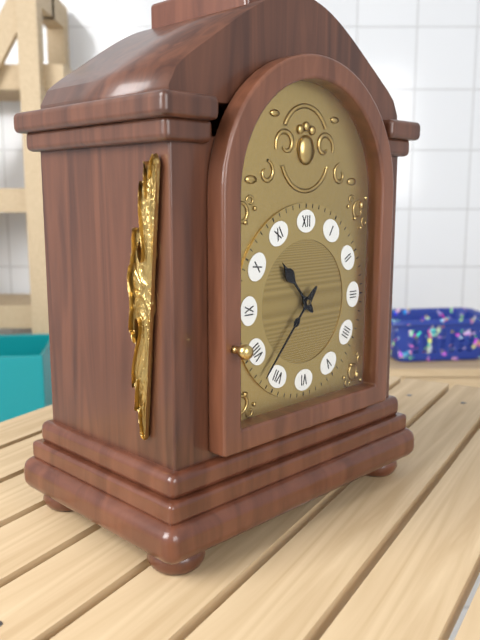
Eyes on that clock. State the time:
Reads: 10:37
